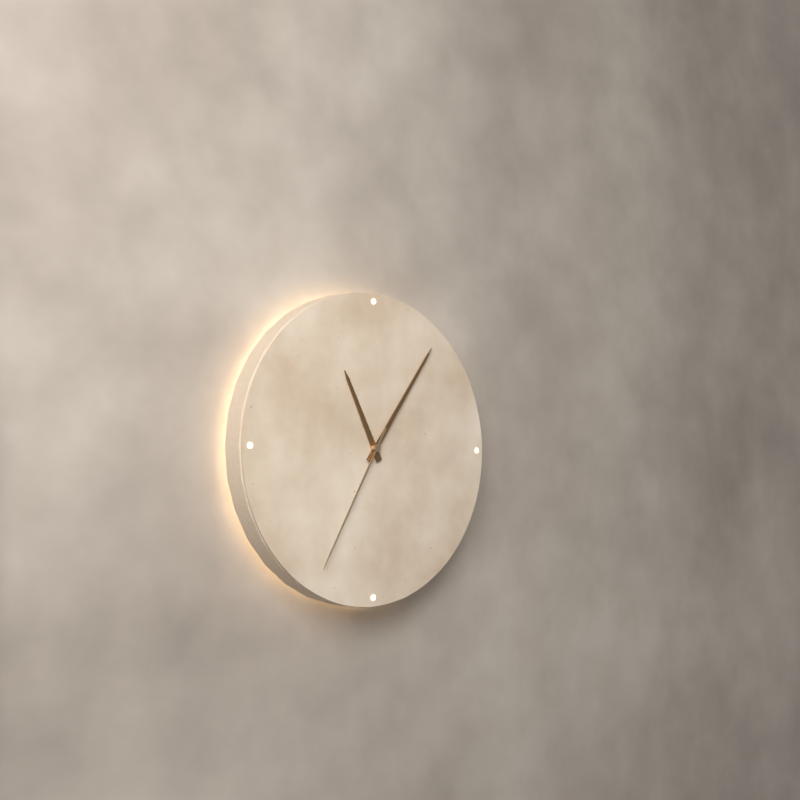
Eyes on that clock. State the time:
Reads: 11:06:35
